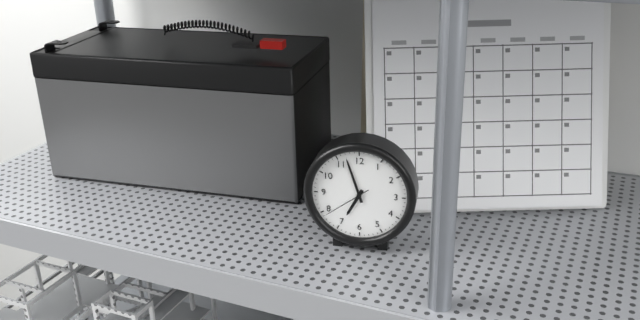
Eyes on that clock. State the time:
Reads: 6:57:39
